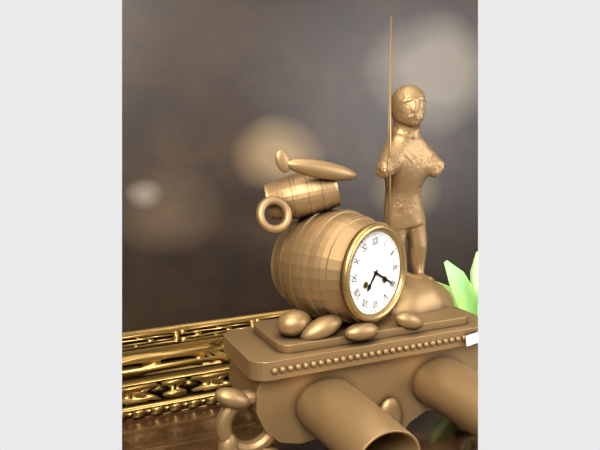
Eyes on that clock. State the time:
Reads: 7:20
